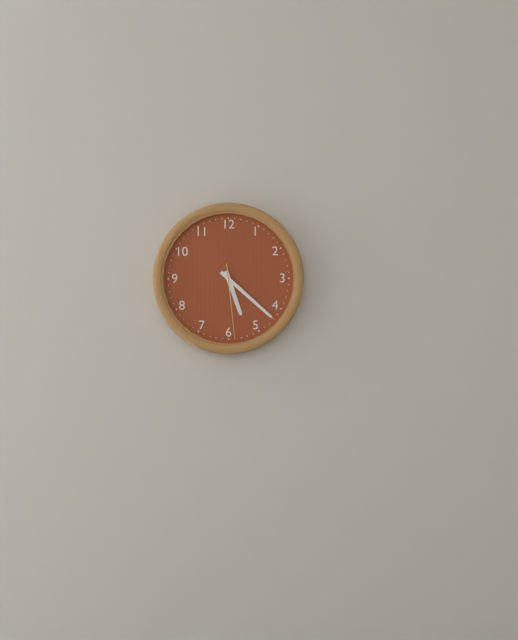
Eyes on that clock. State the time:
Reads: 5:22:29
